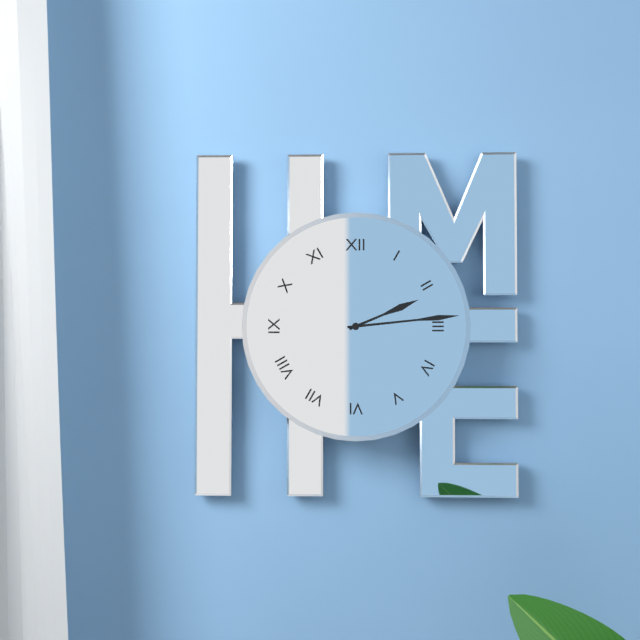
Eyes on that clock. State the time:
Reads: 2:14
